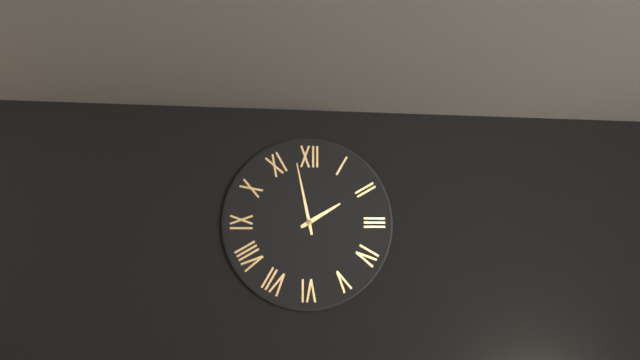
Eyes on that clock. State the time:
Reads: 1:58
